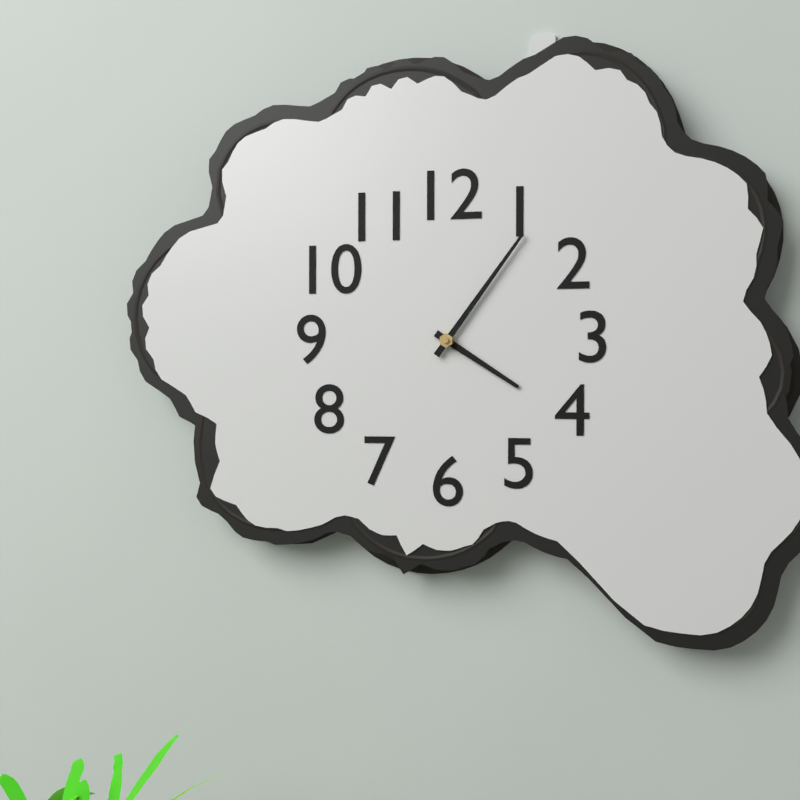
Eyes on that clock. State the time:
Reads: 4:06
